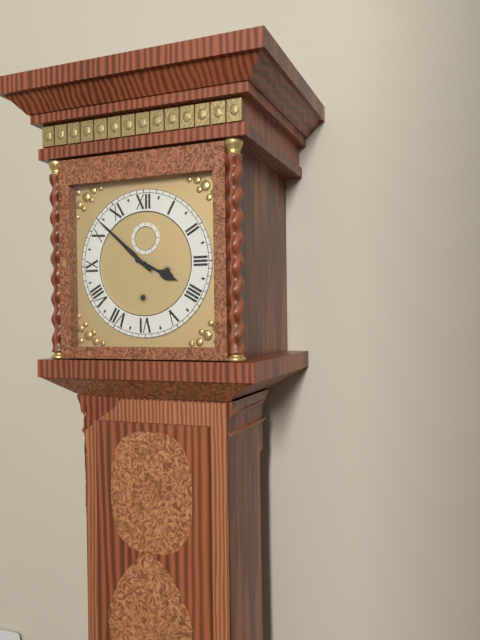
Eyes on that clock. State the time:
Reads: 3:52
